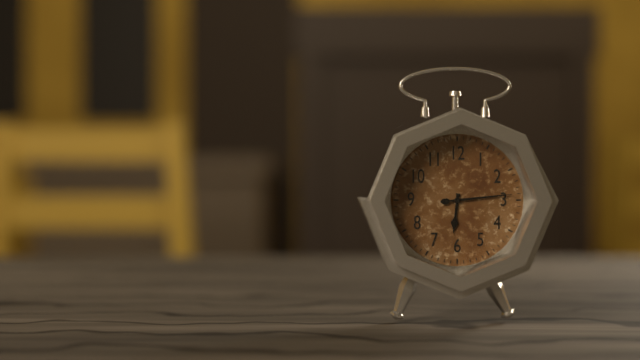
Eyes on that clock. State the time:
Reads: 6:14
